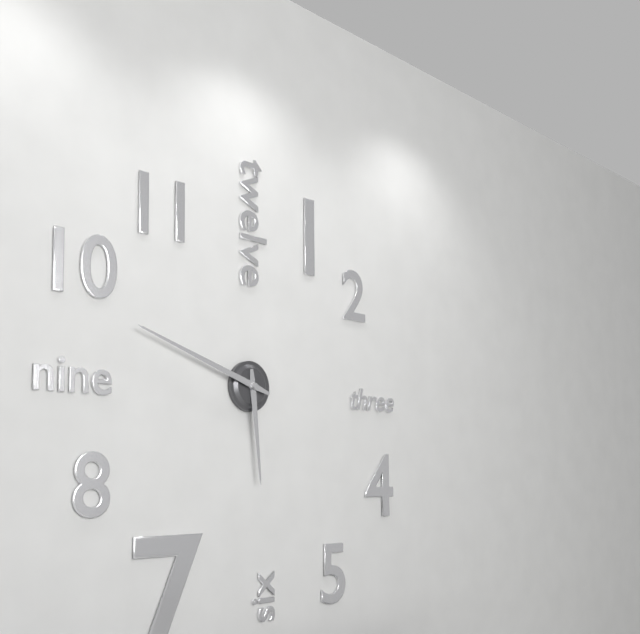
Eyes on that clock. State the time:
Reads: 5:48
